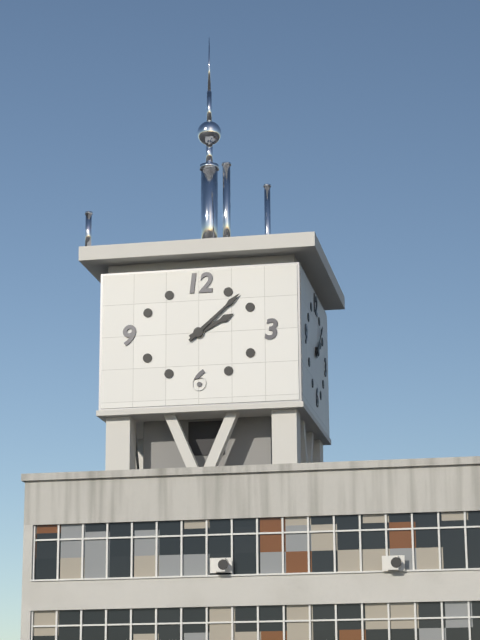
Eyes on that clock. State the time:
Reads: 2:08
